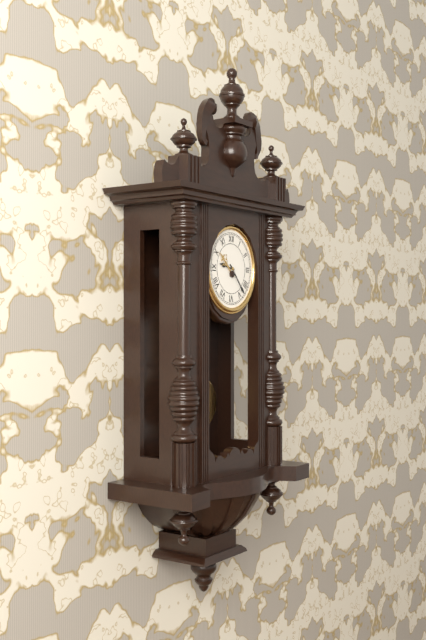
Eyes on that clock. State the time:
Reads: 9:23
